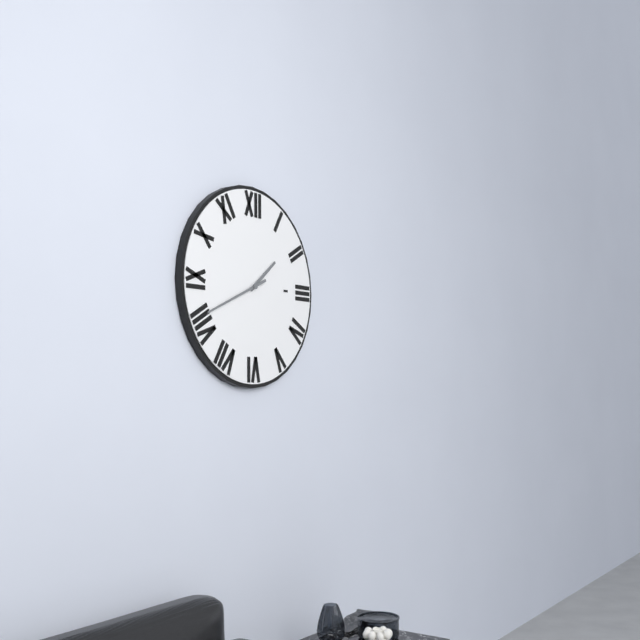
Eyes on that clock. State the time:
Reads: 1:41
